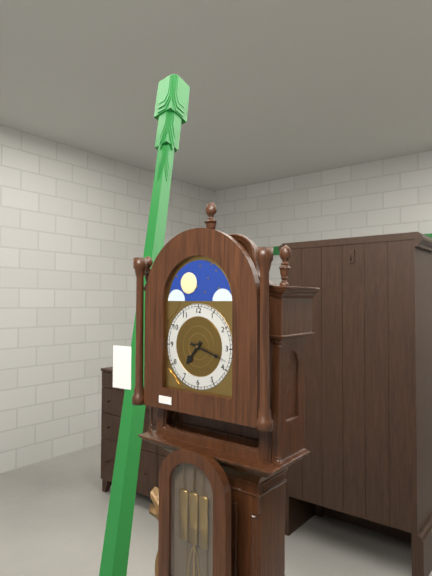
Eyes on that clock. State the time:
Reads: 7:18
